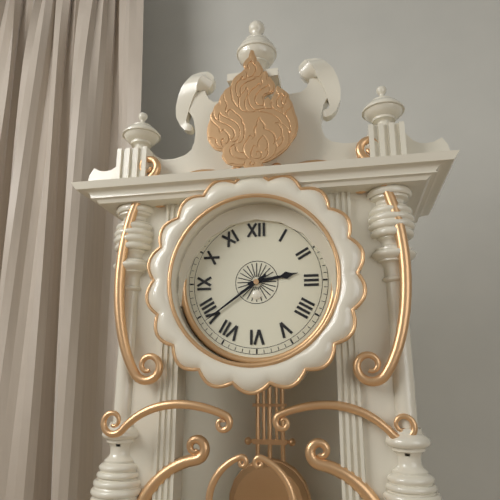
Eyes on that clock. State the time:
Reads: 2:39
